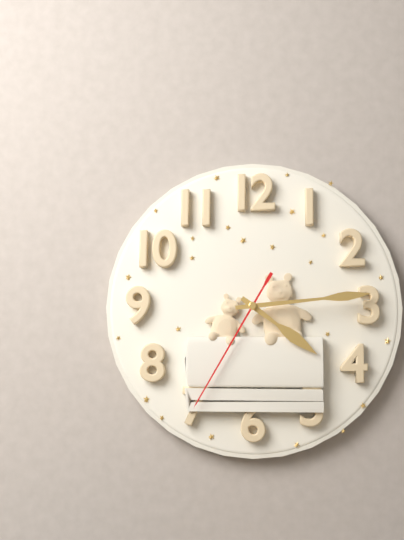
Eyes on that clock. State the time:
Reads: 4:14:35
